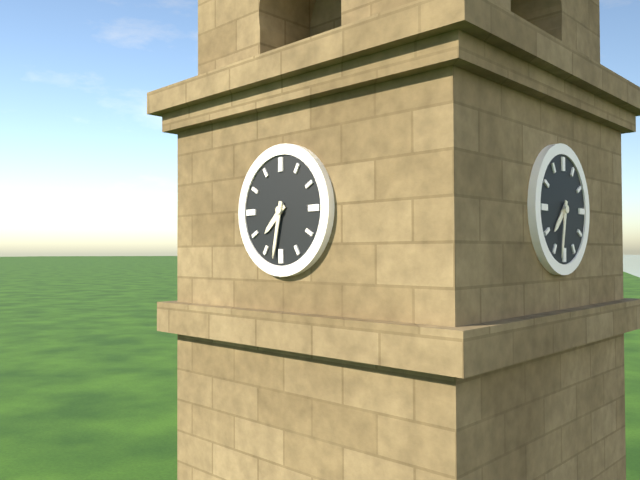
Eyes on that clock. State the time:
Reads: 7:32
